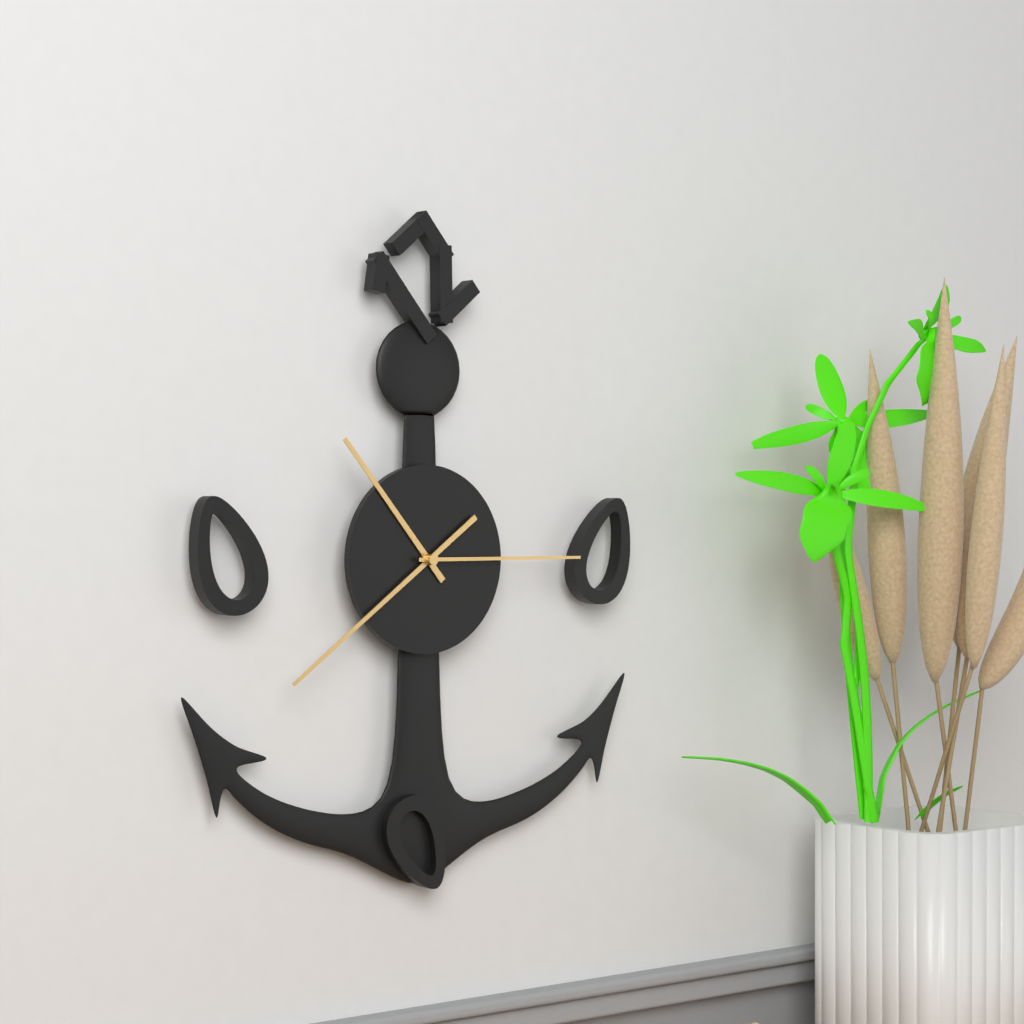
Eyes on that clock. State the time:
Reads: 10:39:15
